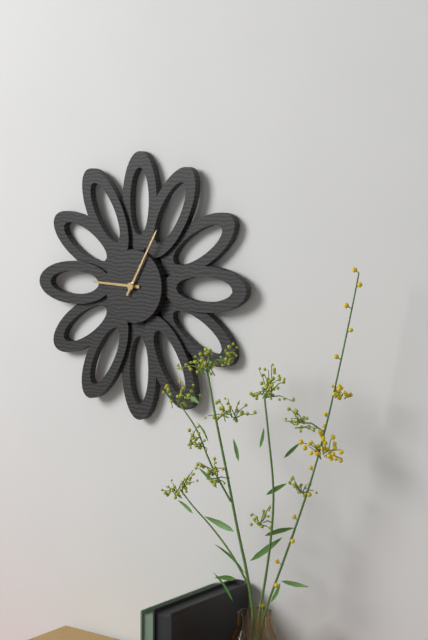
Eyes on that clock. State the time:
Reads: 9:05
